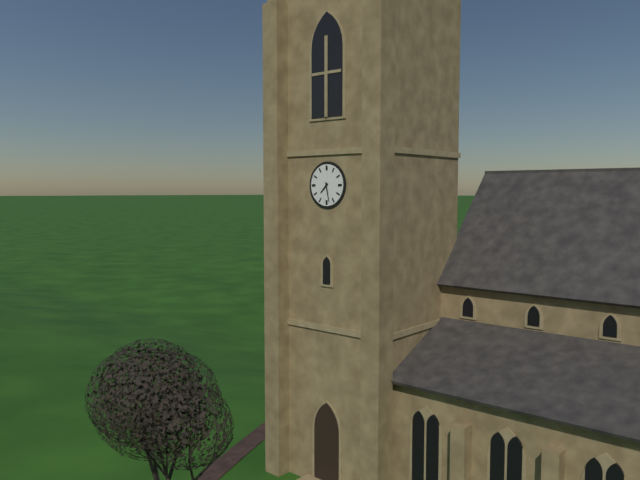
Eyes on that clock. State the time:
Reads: 7:28
